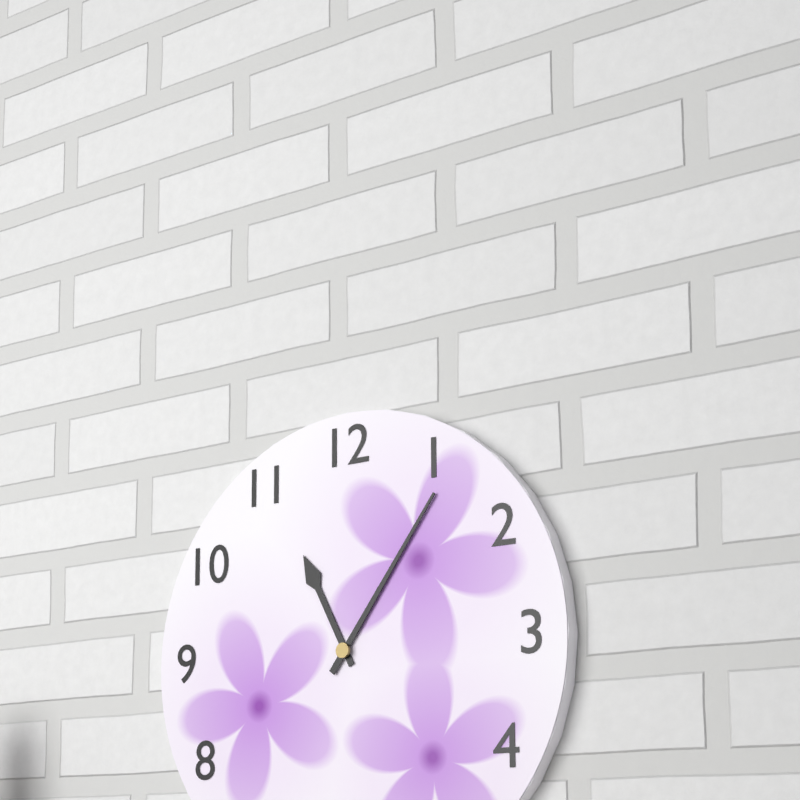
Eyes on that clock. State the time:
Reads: 11:06
